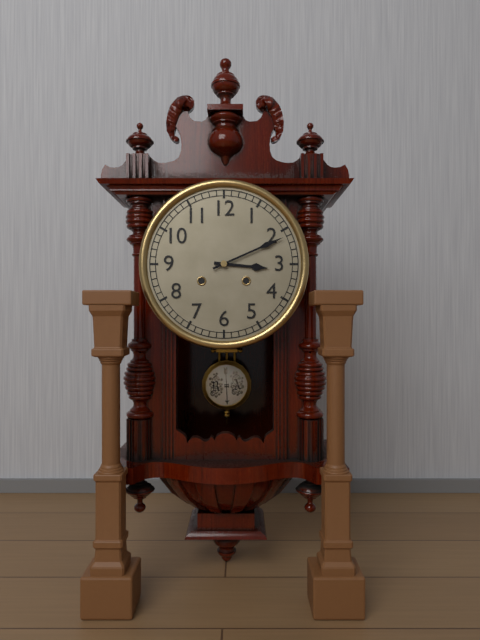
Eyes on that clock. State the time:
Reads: 3:11
